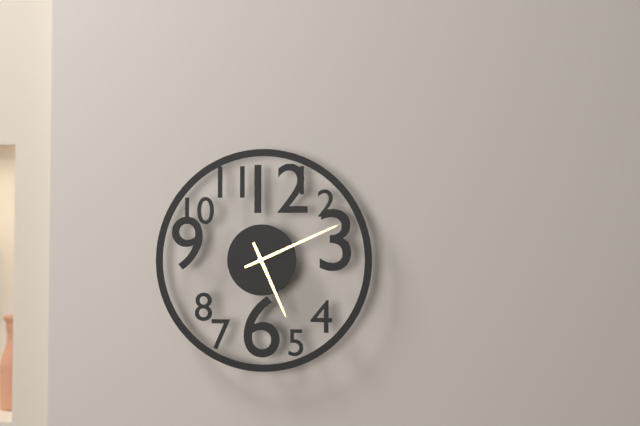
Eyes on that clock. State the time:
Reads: 5:11
